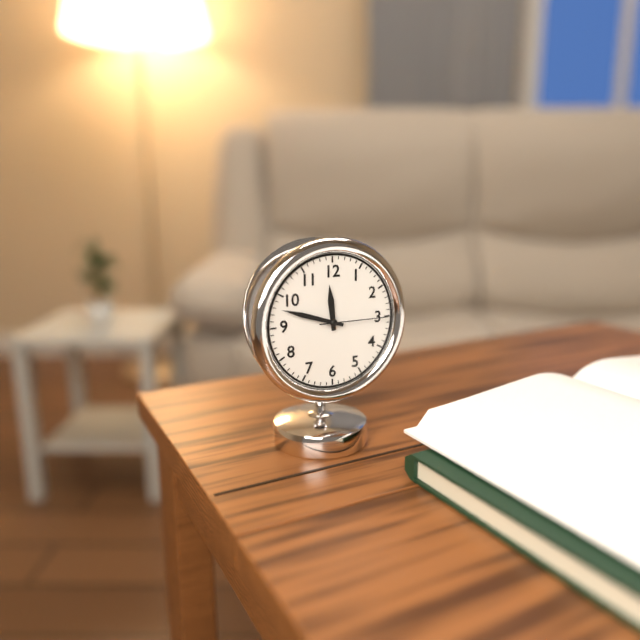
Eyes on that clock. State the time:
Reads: 11:48:15
